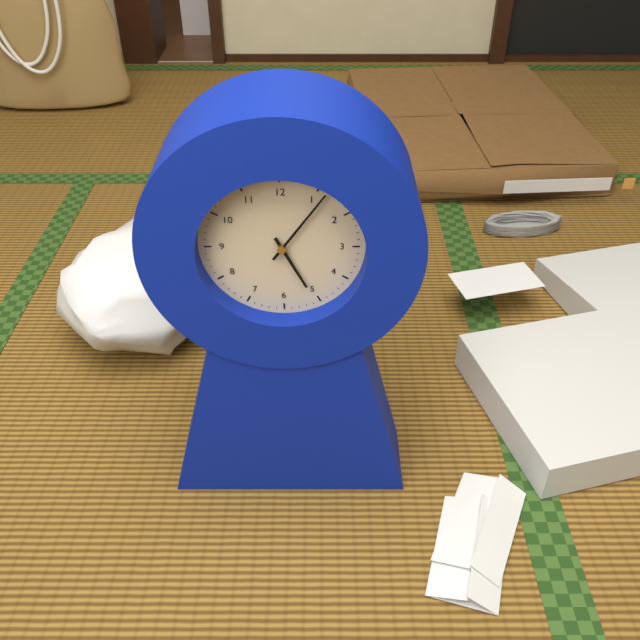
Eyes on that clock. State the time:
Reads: 5:06
